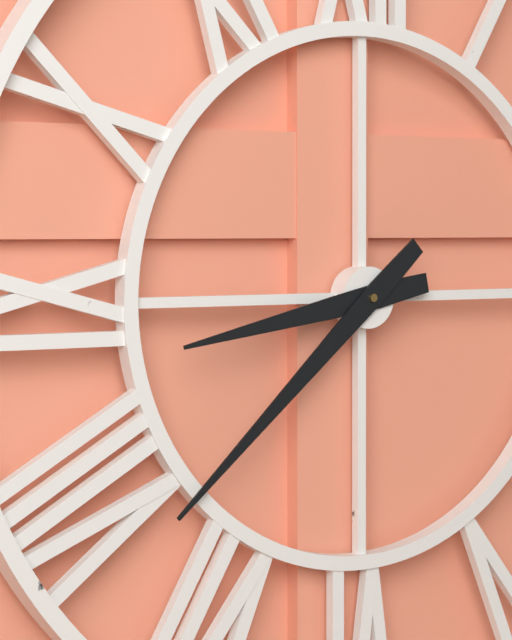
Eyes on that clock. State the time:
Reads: 8:38
